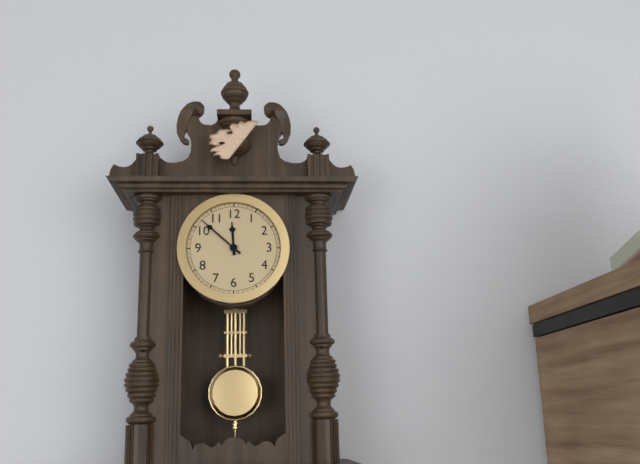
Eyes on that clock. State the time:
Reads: 11:52
